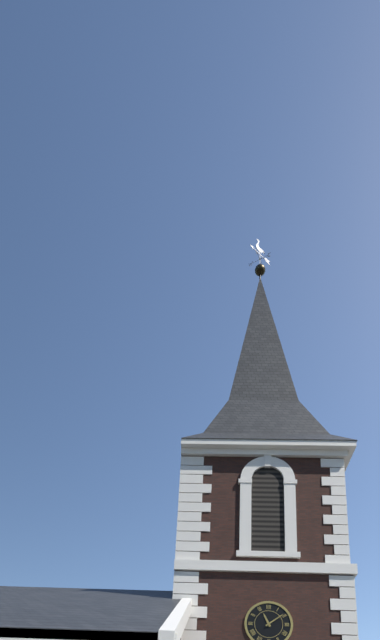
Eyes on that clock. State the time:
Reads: 11:09
